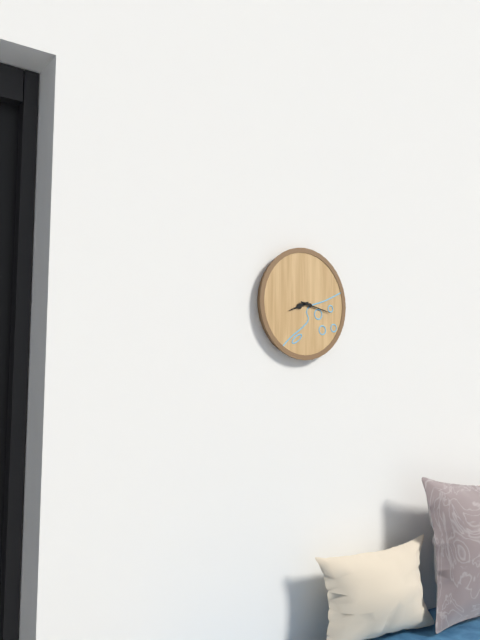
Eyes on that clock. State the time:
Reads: 8:17
